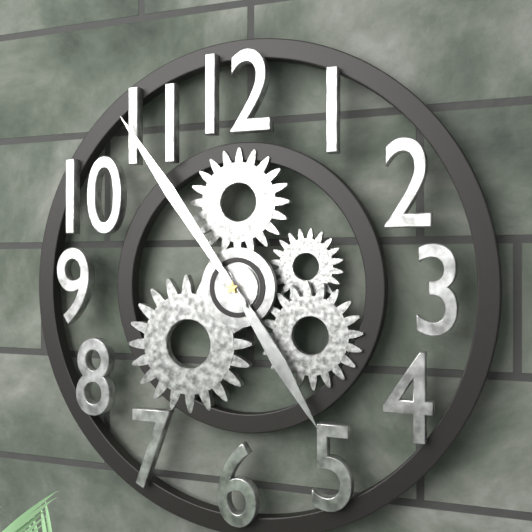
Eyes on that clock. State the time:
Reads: 4:54
